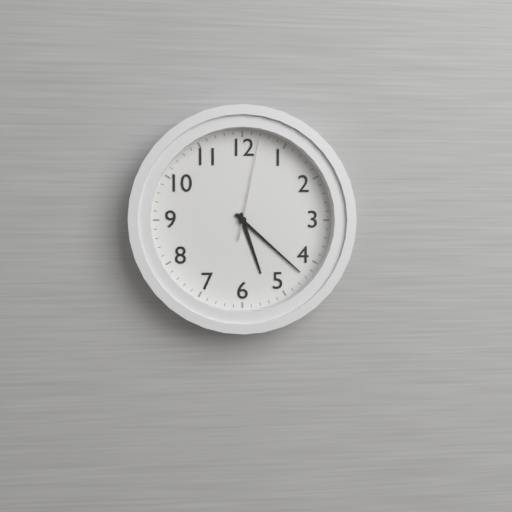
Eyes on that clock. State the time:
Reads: 5:22:02
